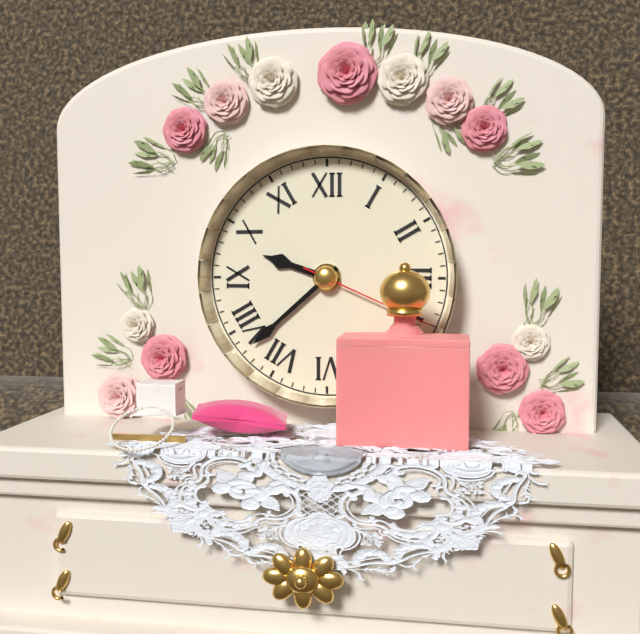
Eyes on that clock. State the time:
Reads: 9:38:19
